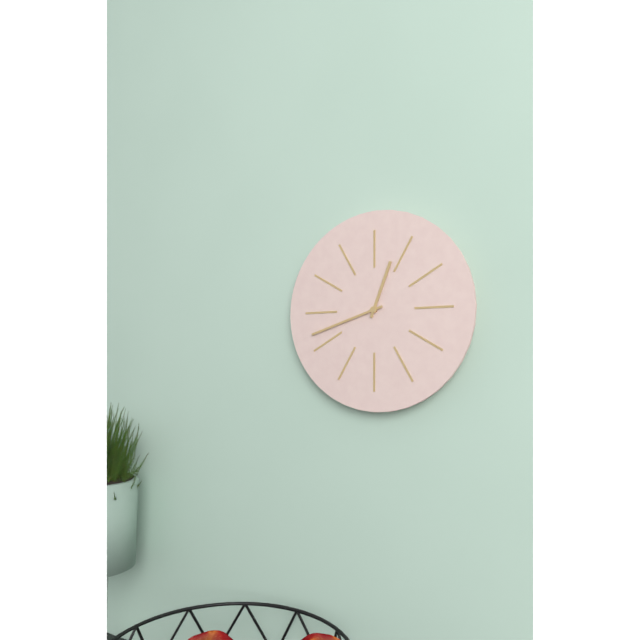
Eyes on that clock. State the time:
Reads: 12:42
